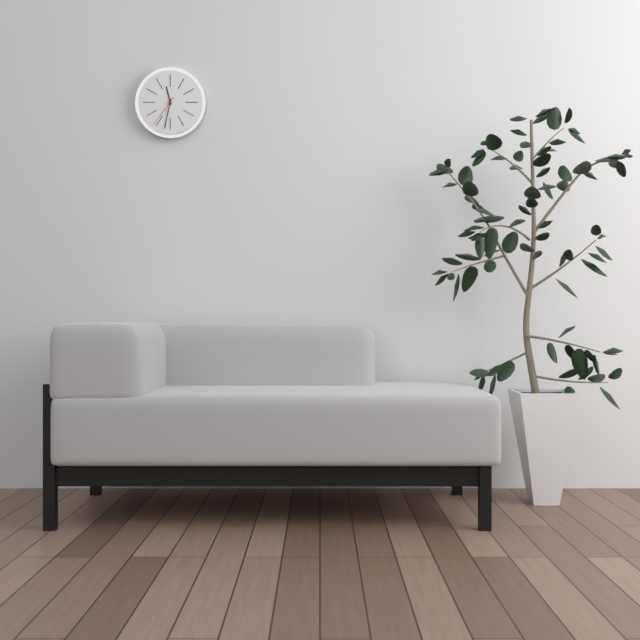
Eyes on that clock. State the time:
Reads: 11:32
